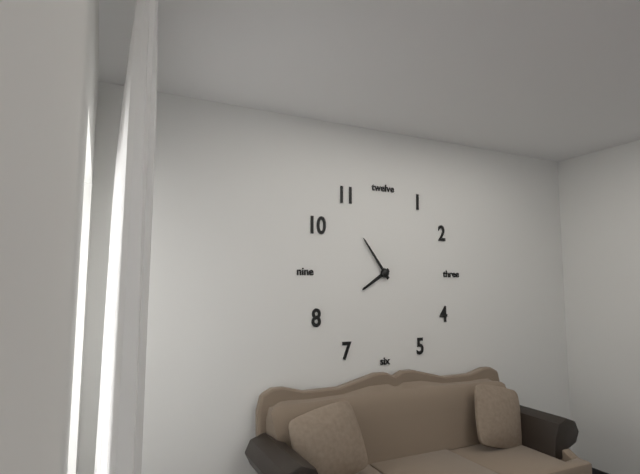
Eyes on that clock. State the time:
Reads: 7:54
